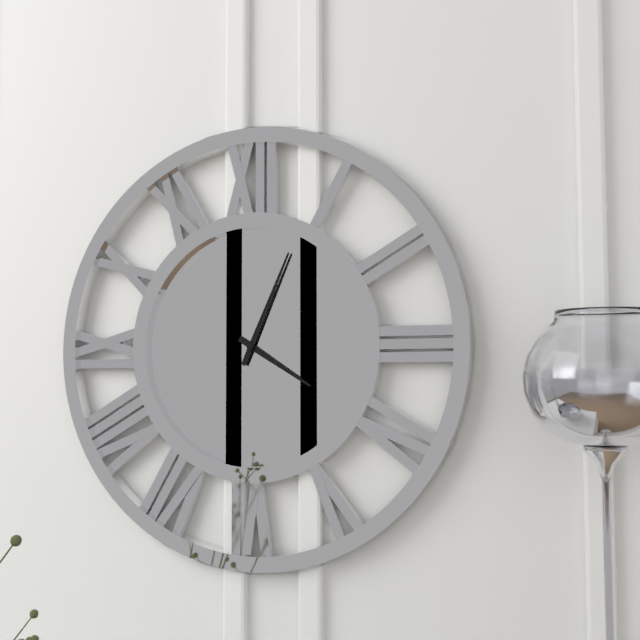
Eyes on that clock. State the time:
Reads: 4:04
